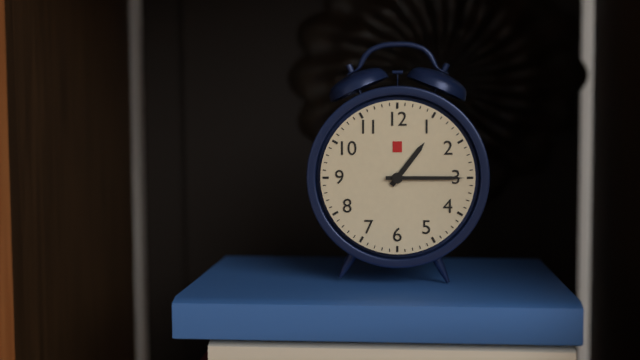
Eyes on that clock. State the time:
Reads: 1:15
